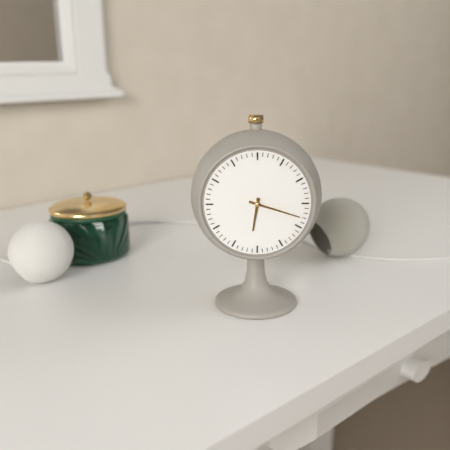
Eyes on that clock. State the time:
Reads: 6:18
